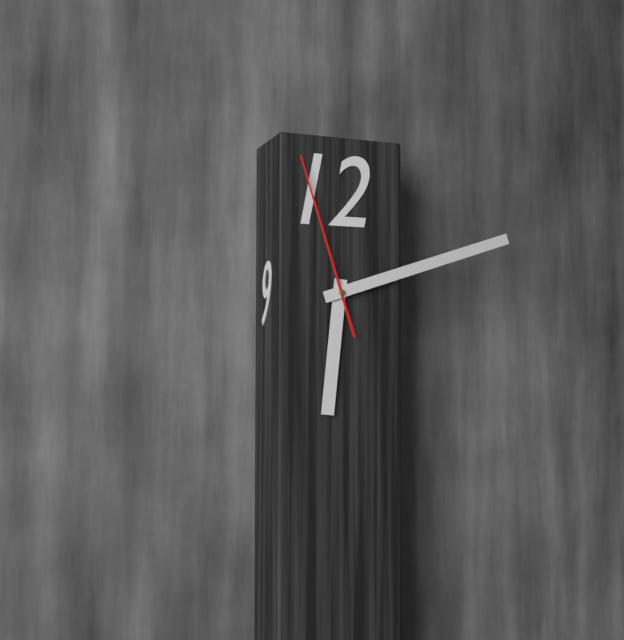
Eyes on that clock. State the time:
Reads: 6:12:57
